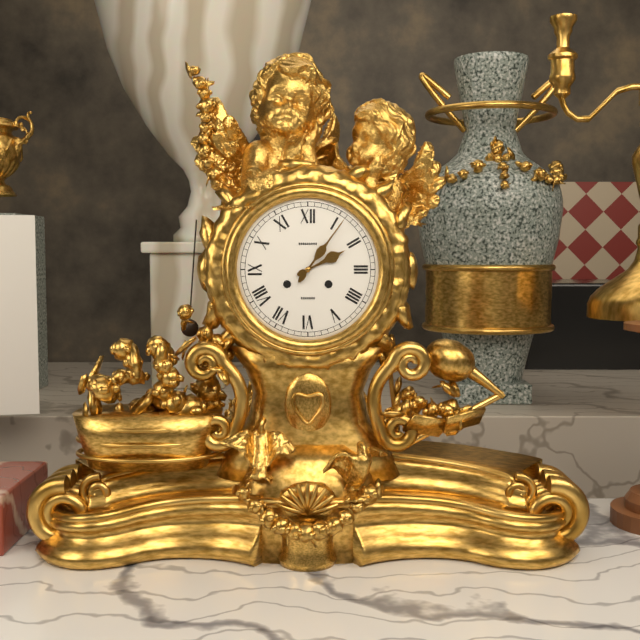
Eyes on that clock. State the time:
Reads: 2:06
